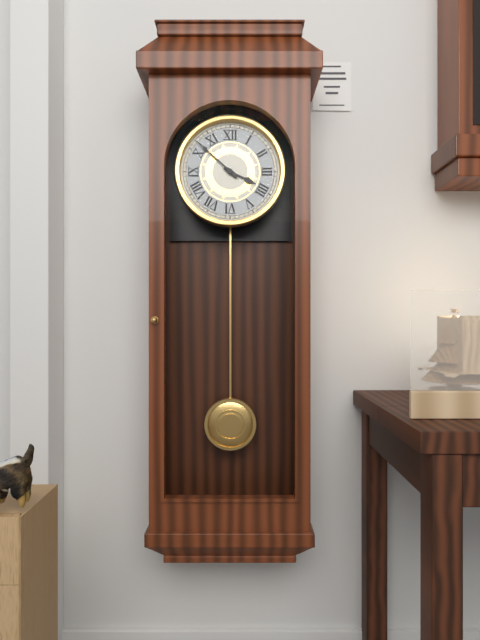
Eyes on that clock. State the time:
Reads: 3:52
